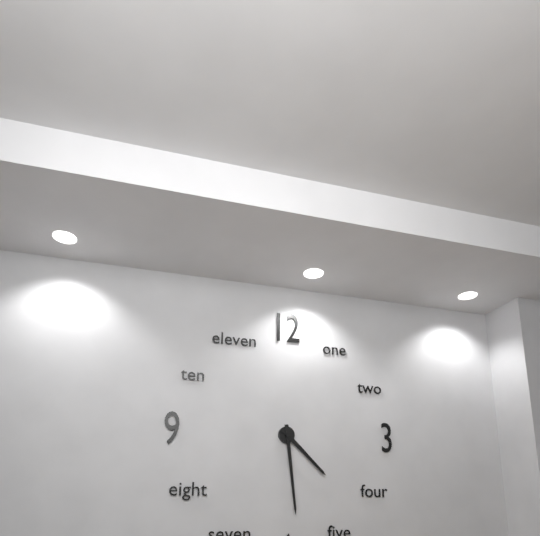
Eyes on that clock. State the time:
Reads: 4:29
